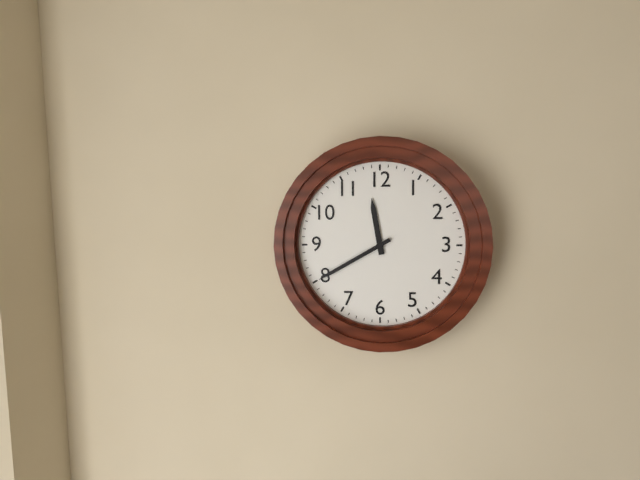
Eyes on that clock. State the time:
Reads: 11:40
